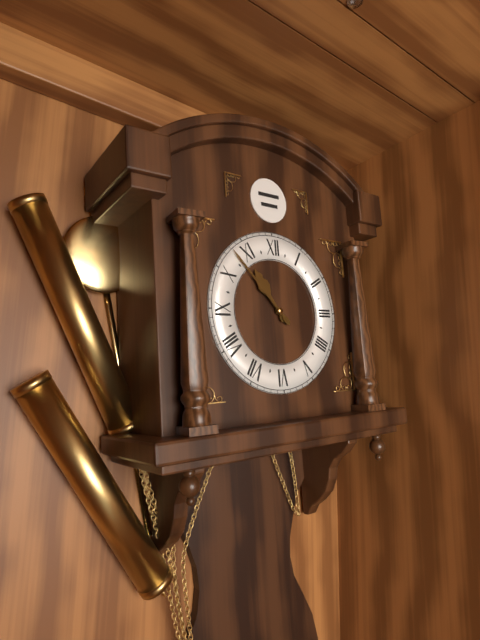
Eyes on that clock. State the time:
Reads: 10:53
